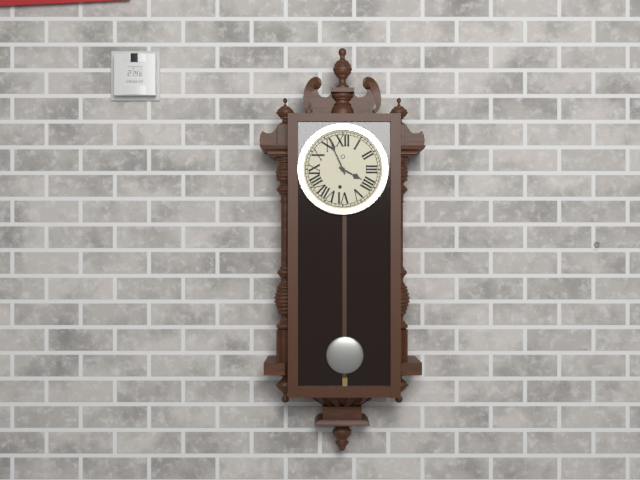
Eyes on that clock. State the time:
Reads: 3:56
